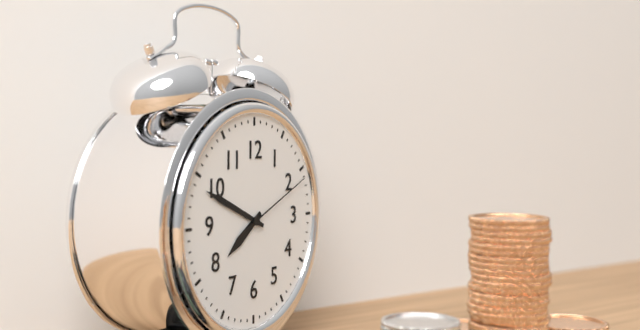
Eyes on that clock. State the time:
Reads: 7:49:11
